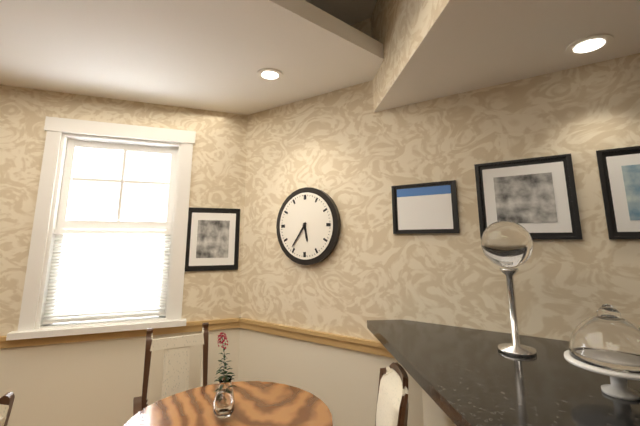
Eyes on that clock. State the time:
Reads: 5:36
